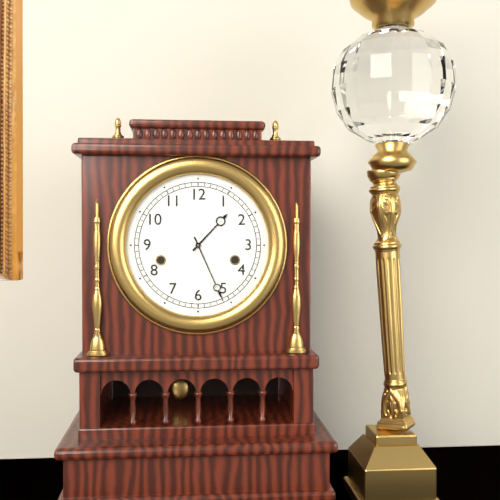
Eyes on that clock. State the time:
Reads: 1:26
